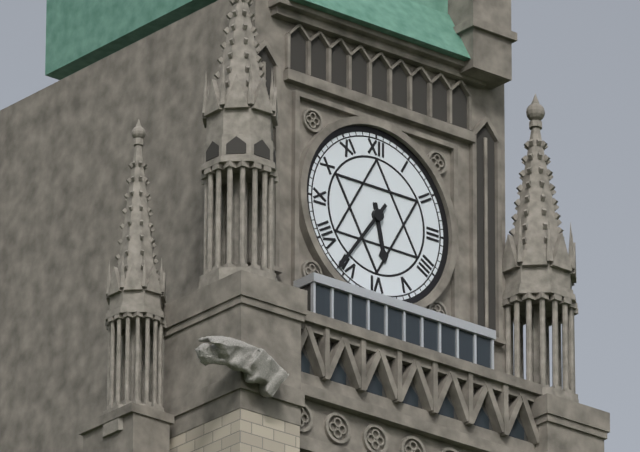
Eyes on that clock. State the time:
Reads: 5:36
